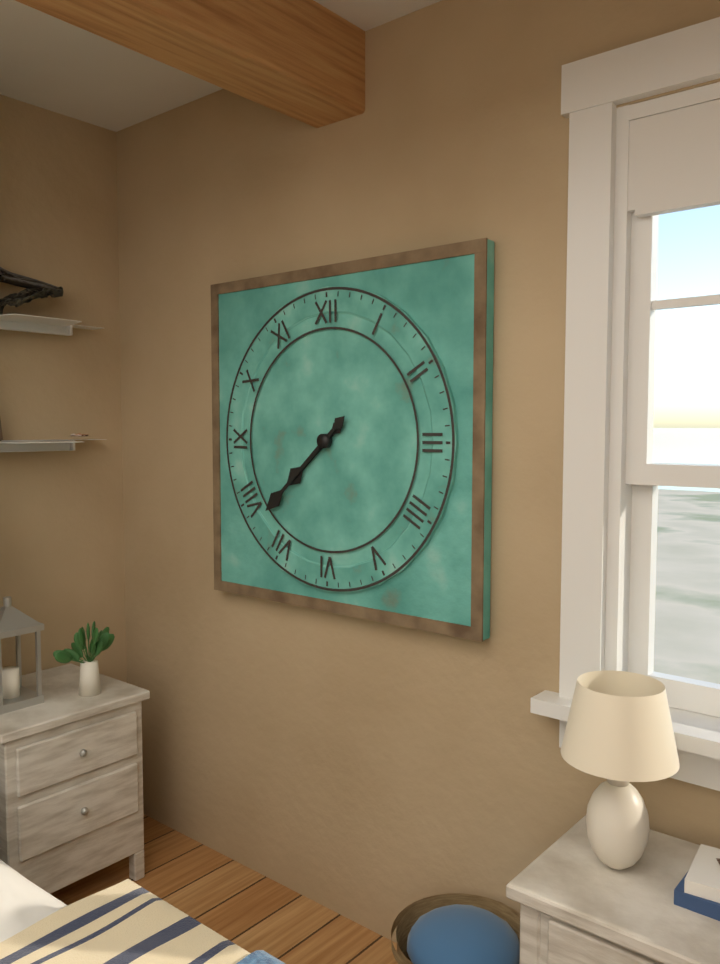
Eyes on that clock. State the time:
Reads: 7:38
